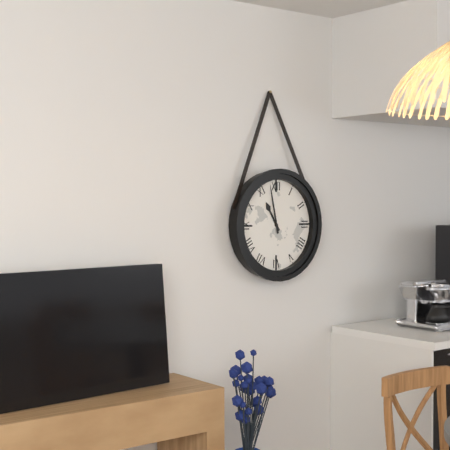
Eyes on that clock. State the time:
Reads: 10:58
